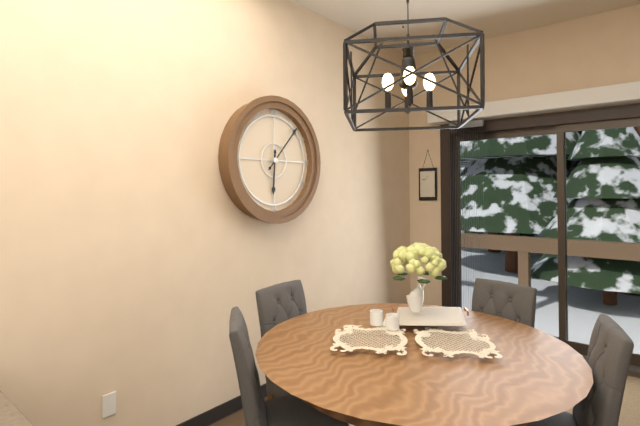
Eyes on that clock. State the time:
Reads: 6:07
